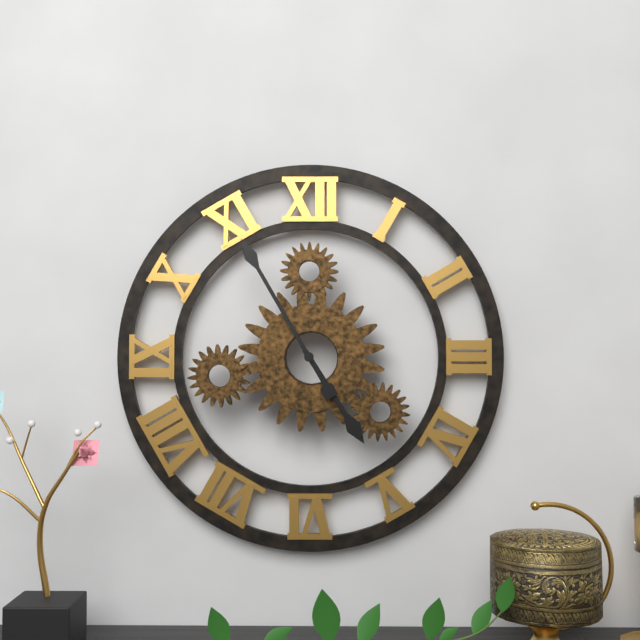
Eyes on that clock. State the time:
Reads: 4:55
